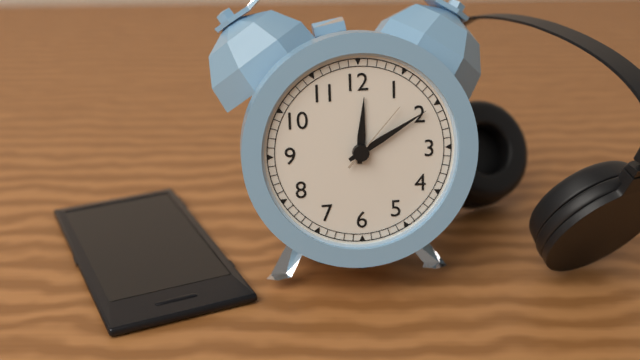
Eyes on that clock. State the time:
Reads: 12:10:07
